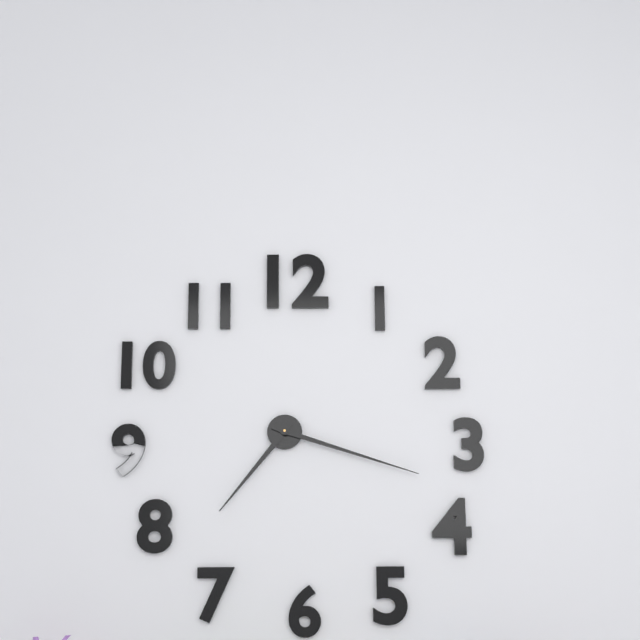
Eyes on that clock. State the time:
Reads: 7:18
